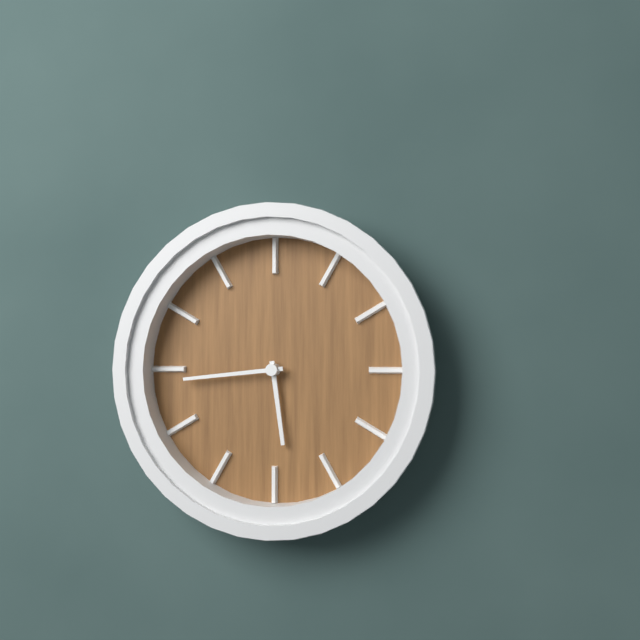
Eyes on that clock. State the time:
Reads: 5:44
